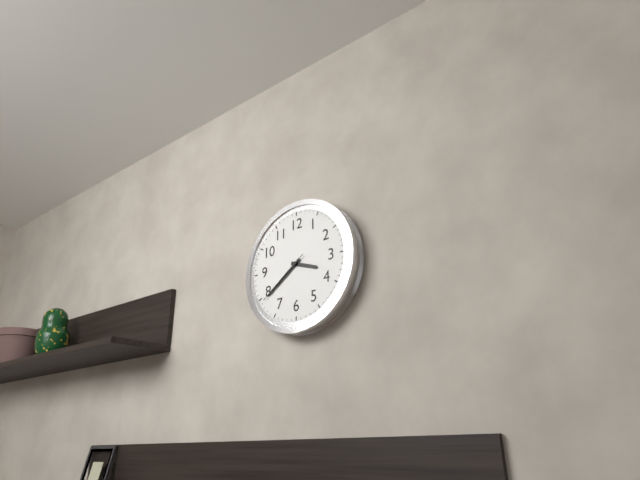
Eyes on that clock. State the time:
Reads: 3:39:39
